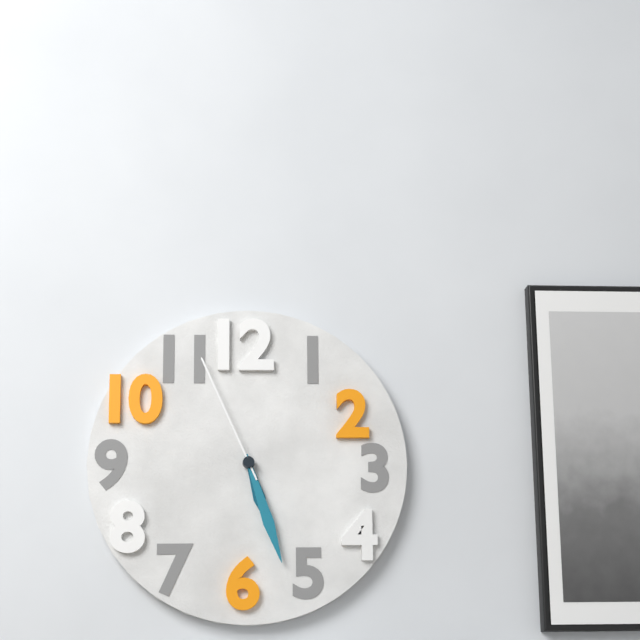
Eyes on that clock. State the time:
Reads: 5:27:56
